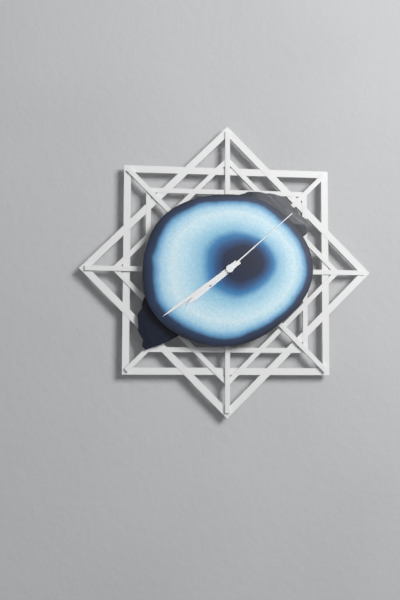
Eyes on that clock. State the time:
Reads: 7:39:08
